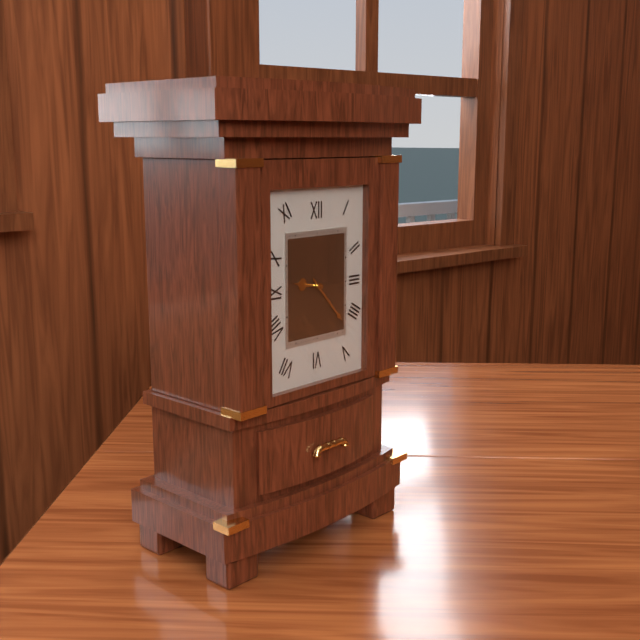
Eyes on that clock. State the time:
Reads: 9:23
